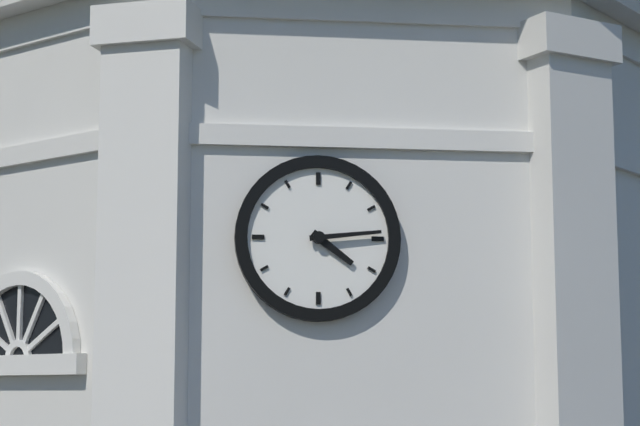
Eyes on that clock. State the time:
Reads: 4:14
